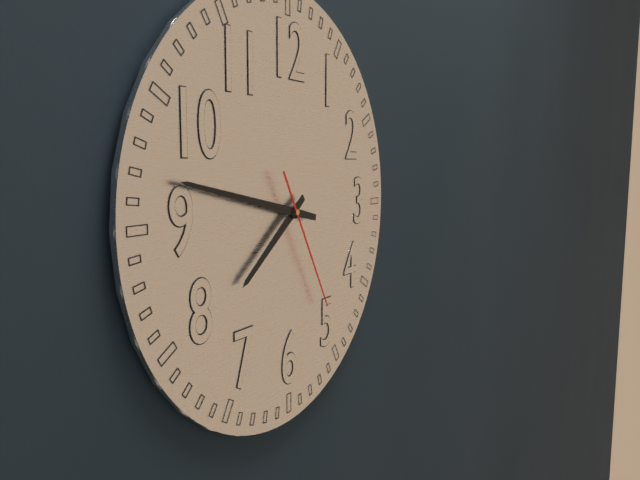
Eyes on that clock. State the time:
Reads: 7:47:25
